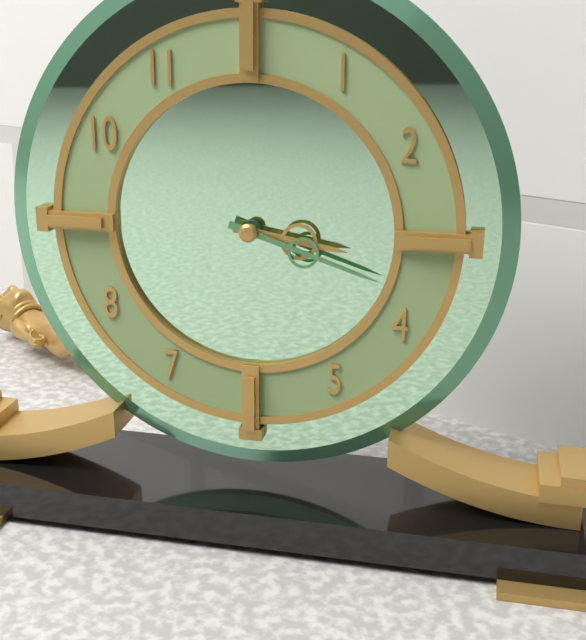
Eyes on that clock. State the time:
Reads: 3:18
